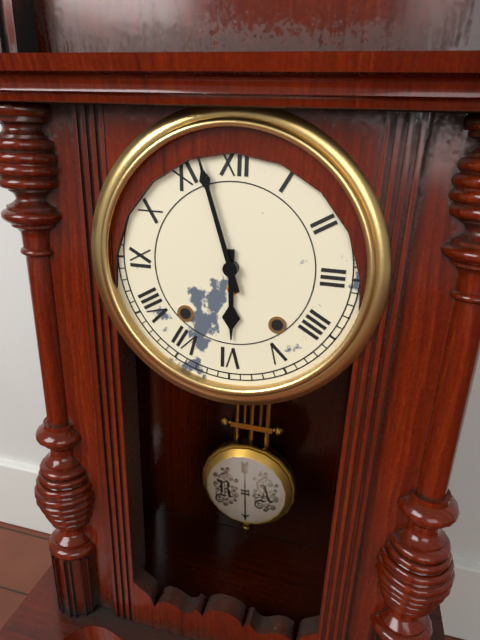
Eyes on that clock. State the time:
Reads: 5:57
